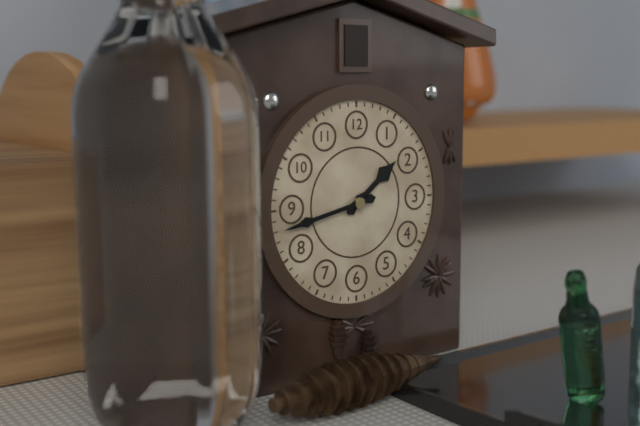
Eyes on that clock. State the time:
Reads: 1:43
